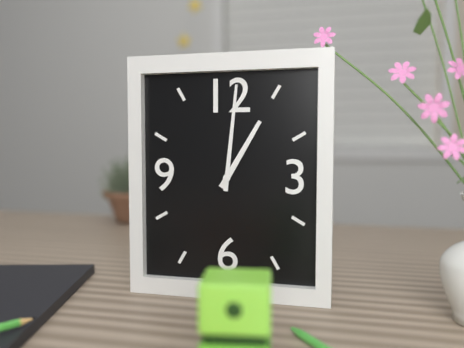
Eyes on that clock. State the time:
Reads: 1:01
